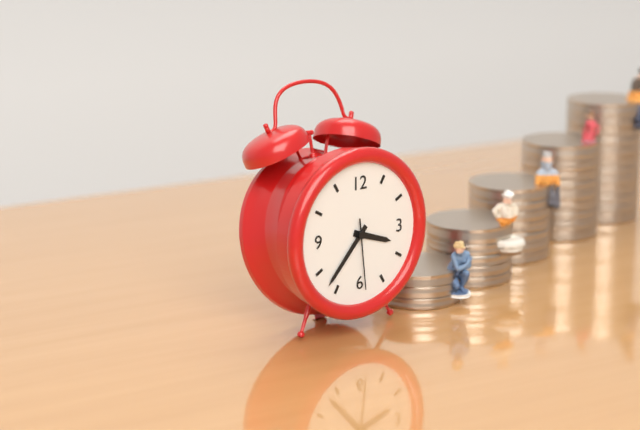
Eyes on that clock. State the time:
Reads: 3:37:29
